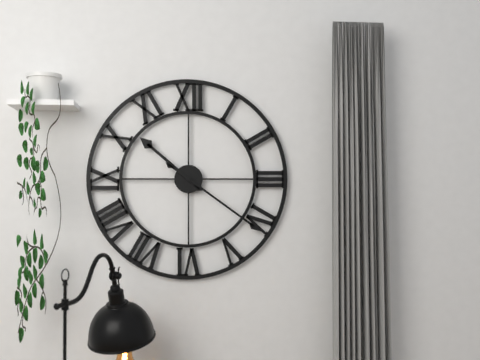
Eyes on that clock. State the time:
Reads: 10:21
